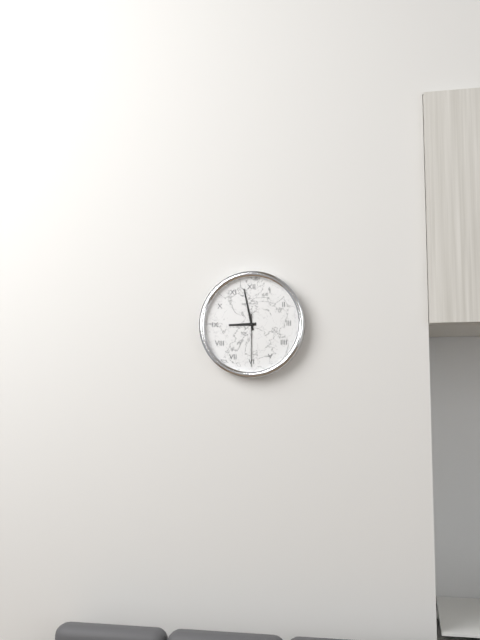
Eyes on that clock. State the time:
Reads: 8:58:30
